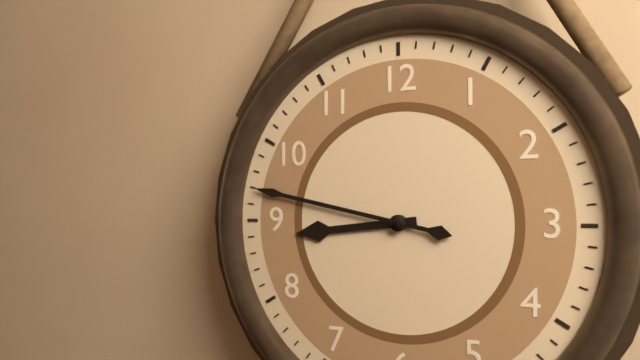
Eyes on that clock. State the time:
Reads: 8:47
